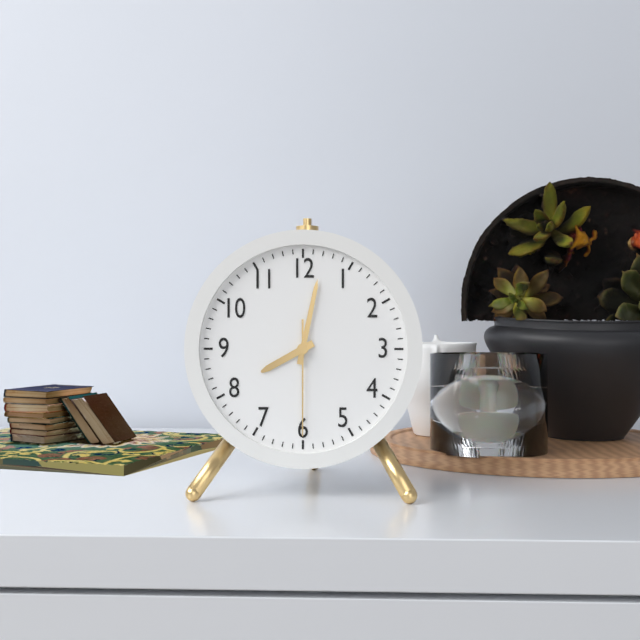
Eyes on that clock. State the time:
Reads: 8:02:30
